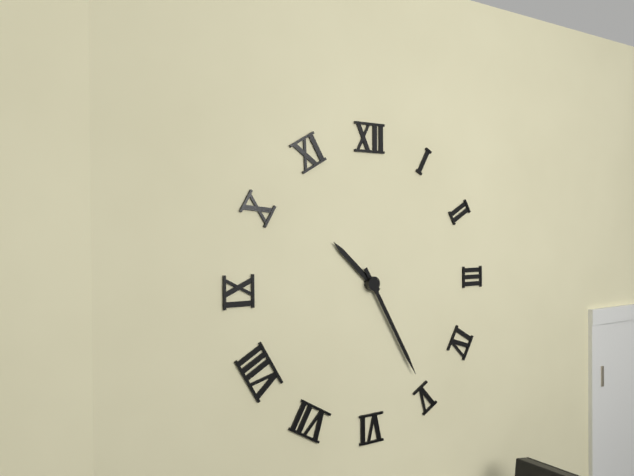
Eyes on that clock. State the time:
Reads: 10:25
